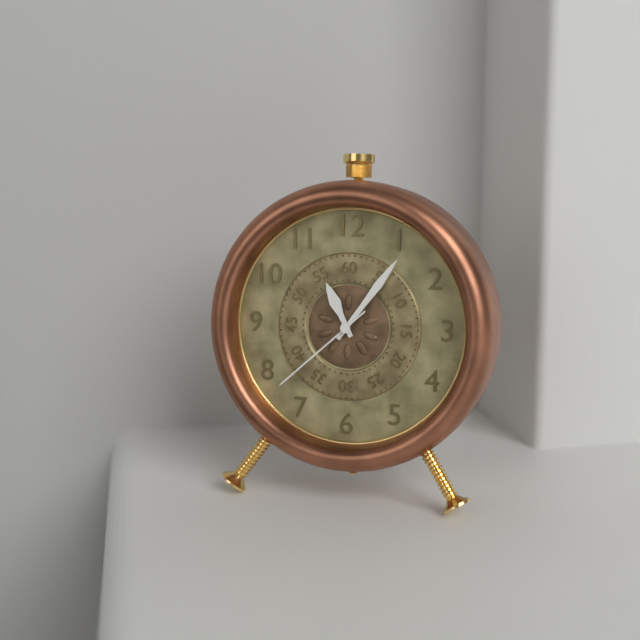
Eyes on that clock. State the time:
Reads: 11:06:38
